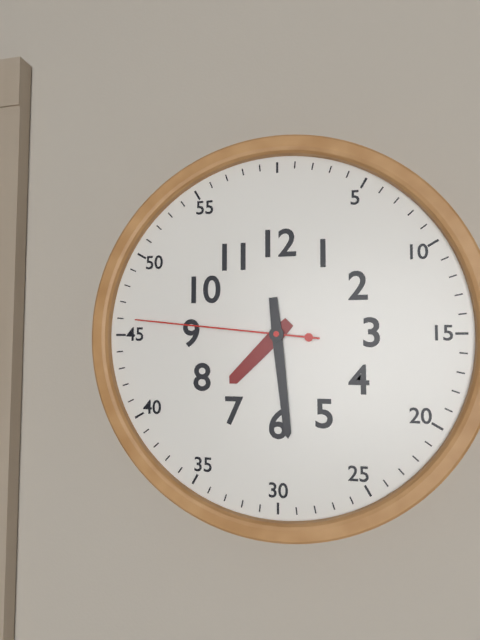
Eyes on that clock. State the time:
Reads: 7:29:46
